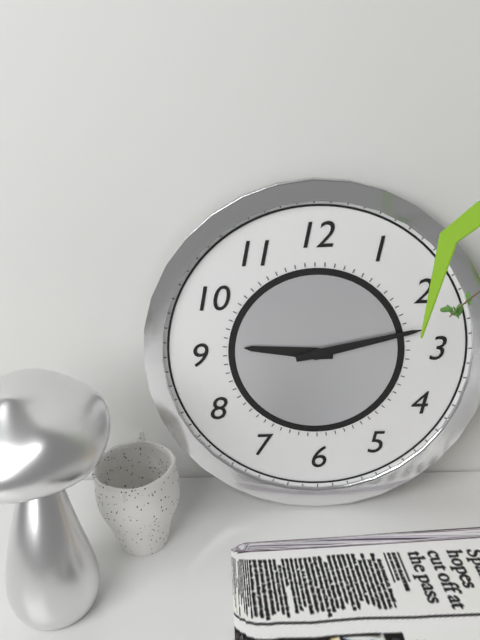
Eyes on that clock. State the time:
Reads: 9:13
